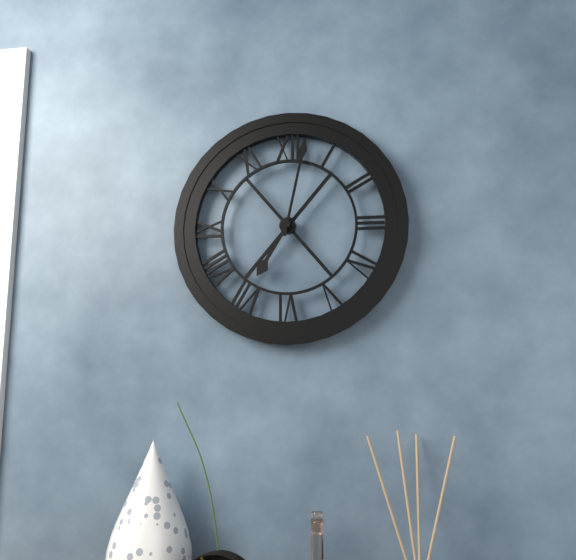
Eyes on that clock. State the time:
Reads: 7:02
